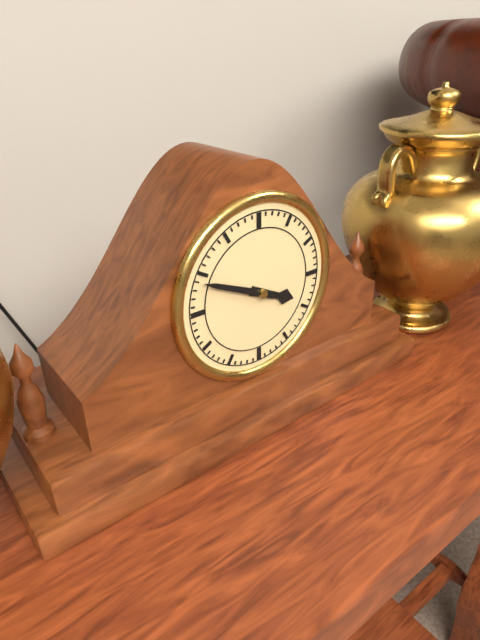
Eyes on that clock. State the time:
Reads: 3:49
